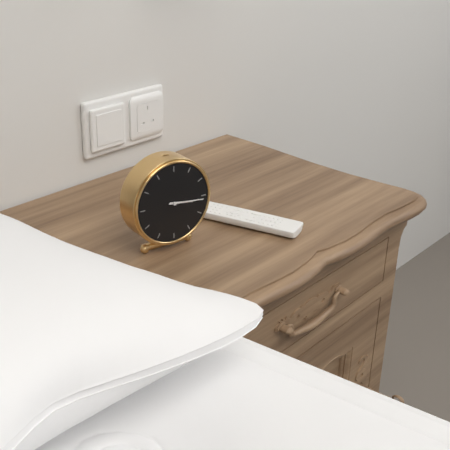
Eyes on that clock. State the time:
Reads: 3:16
